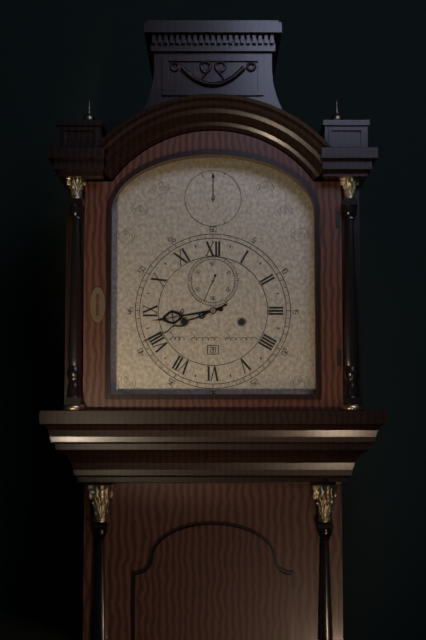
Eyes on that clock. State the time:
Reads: 8:41
